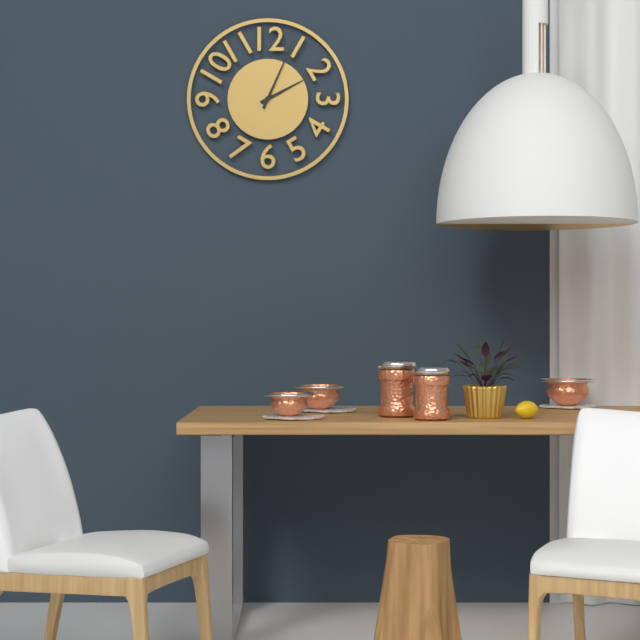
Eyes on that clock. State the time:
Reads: 2:04
